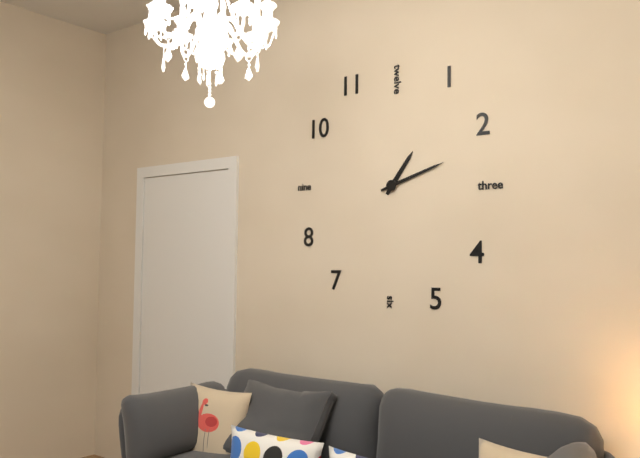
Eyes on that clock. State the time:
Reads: 1:12
